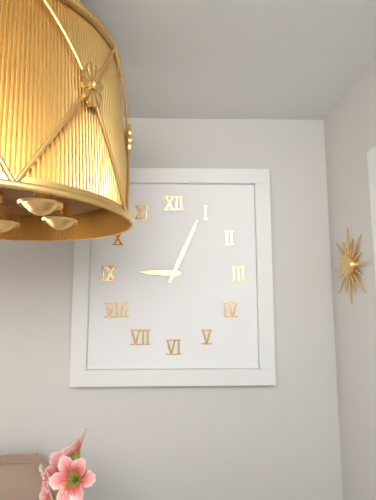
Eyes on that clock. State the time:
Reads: 9:04
